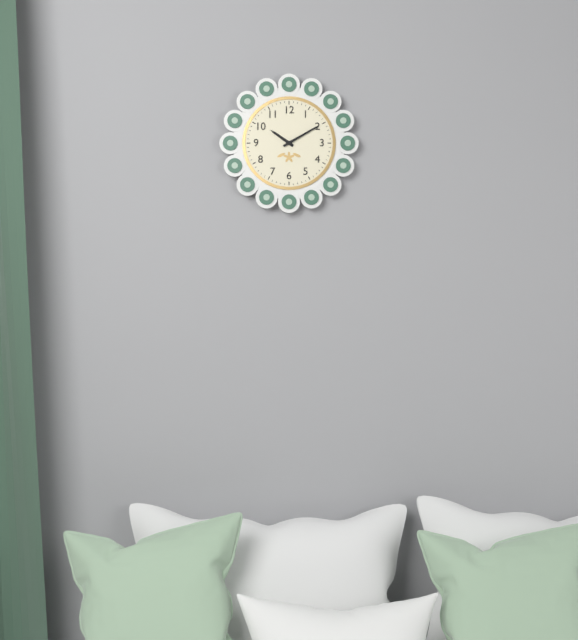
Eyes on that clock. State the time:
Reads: 10:10
